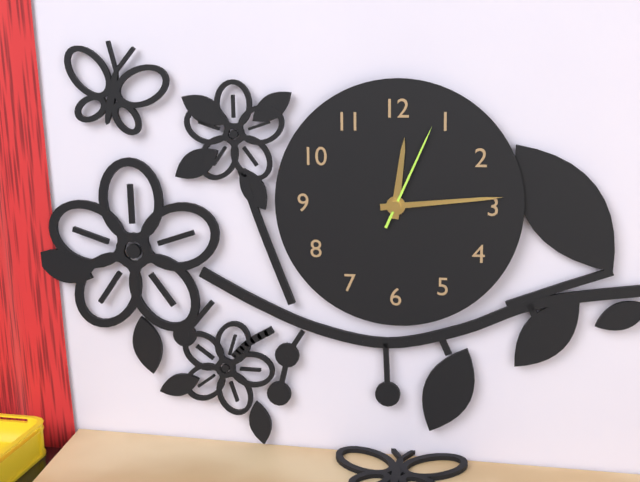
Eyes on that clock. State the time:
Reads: 12:14:04
